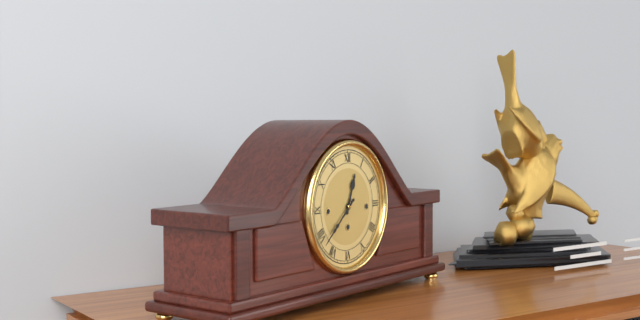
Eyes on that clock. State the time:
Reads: 12:38
